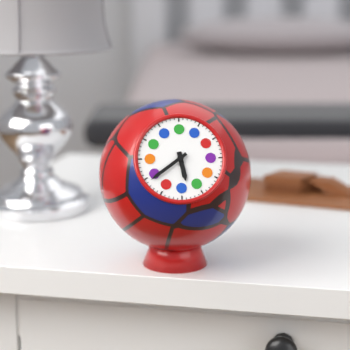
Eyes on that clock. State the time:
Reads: 5:39
